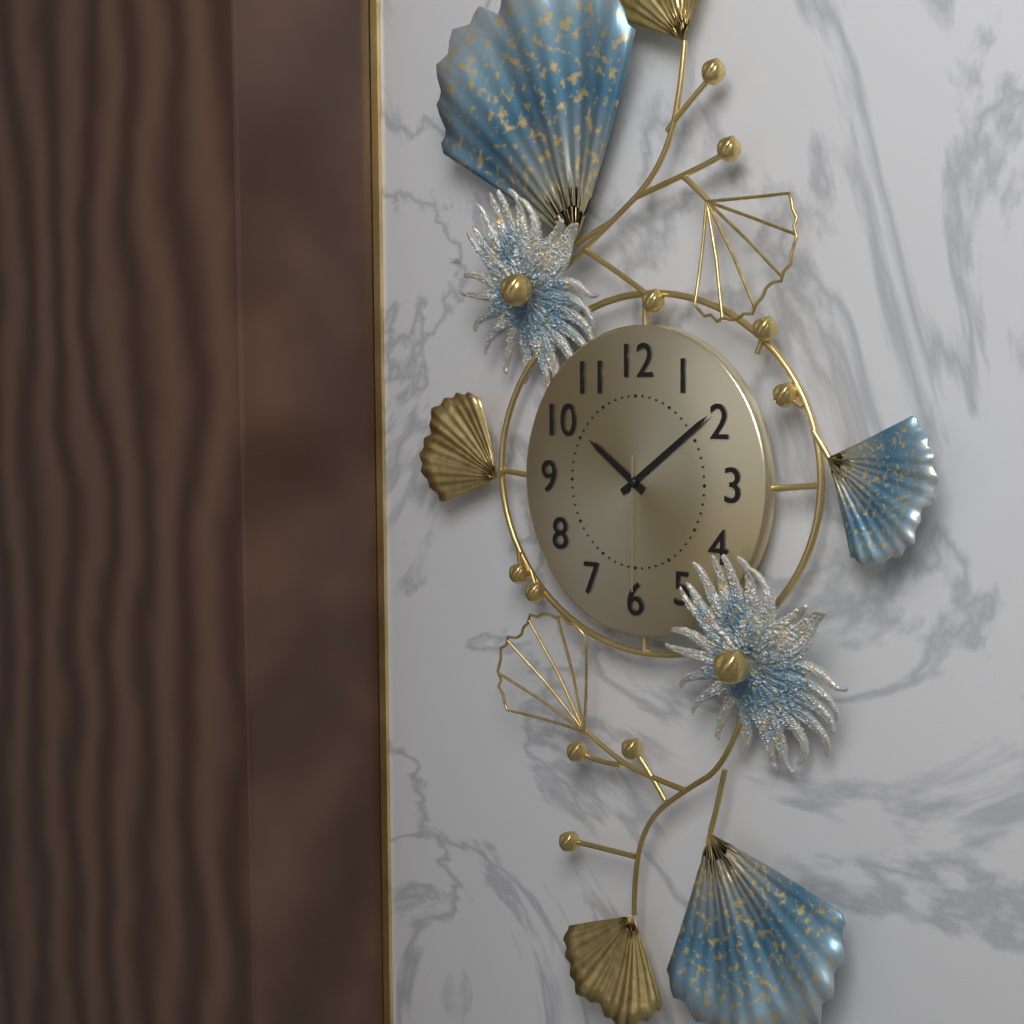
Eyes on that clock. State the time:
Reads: 10:09:30
